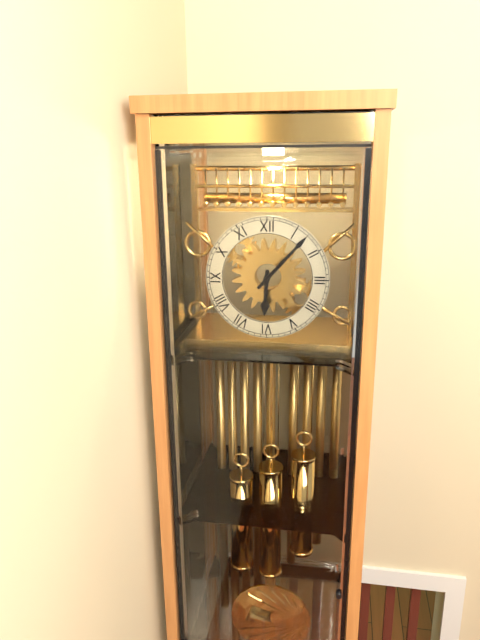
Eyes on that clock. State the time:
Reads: 6:07
